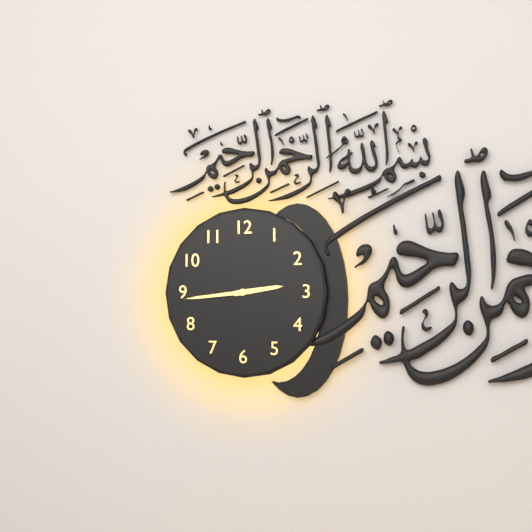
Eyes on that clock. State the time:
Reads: 2:44
